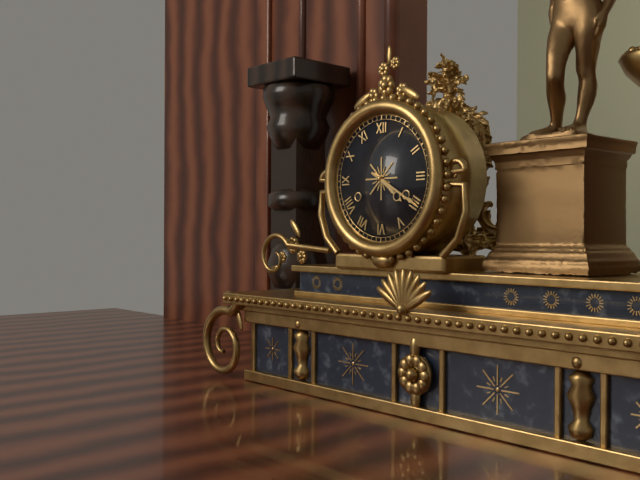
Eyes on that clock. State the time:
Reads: 4:20
